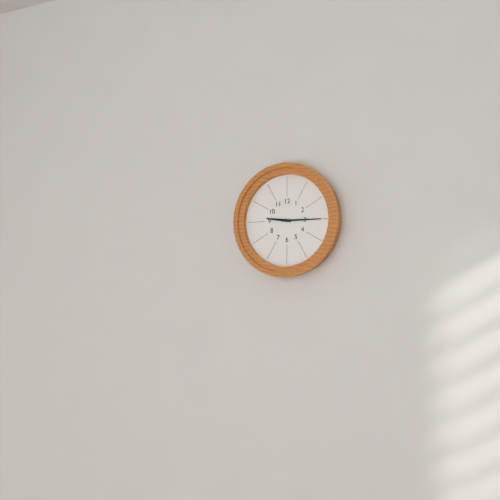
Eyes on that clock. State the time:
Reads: 9:15
